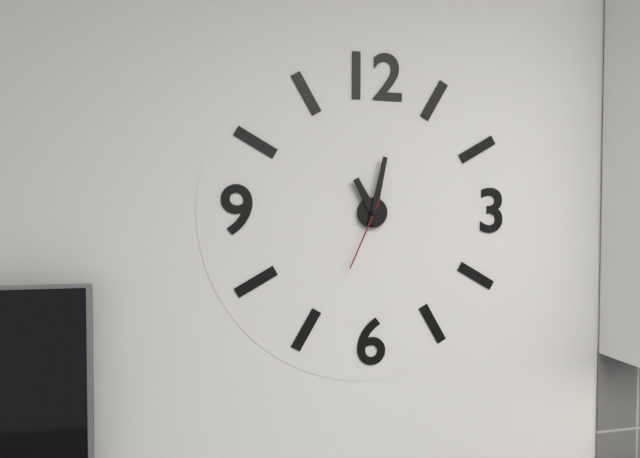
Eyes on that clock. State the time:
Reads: 11:02:34
